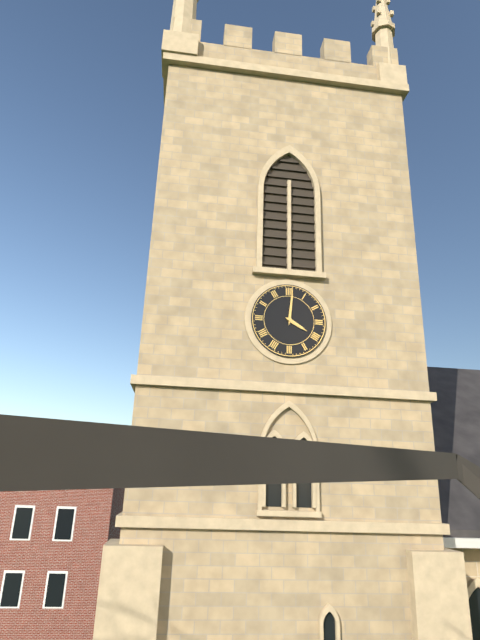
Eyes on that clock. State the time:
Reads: 4:01
